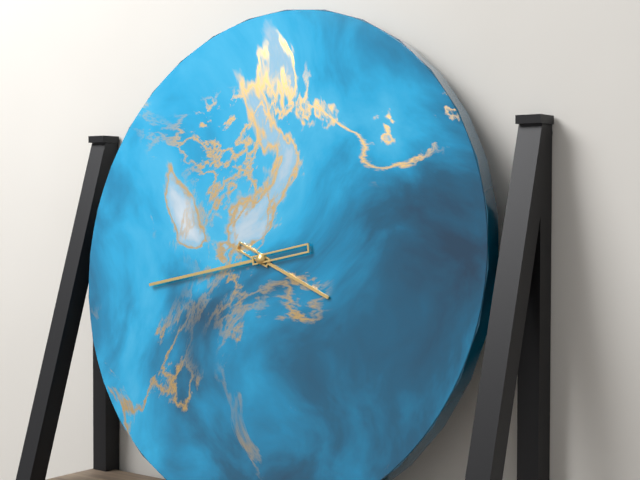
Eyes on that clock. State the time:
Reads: 3:43
